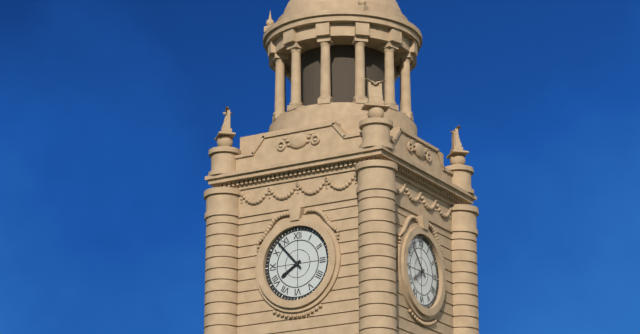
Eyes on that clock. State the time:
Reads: 7:53
